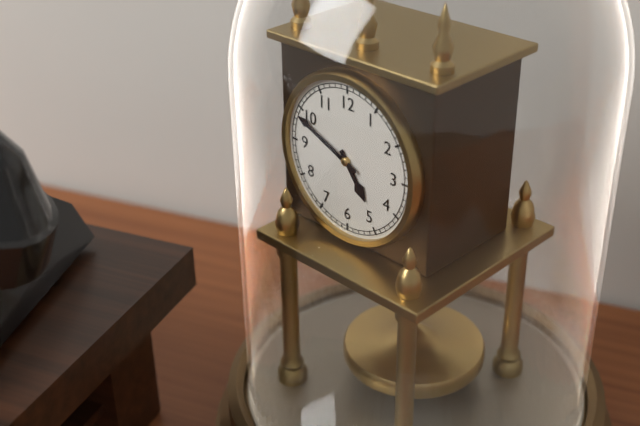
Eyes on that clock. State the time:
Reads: 4:49
